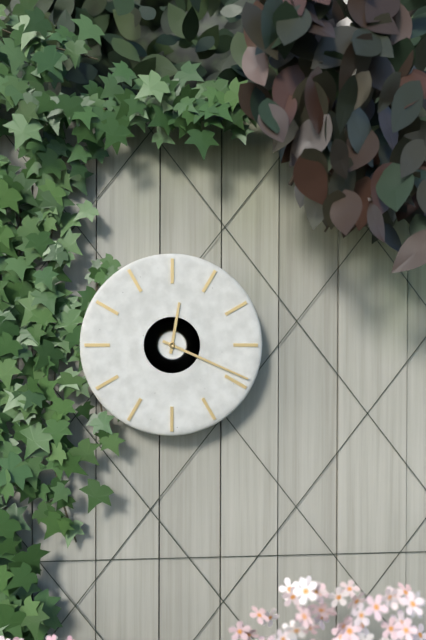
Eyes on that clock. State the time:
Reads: 12:19
